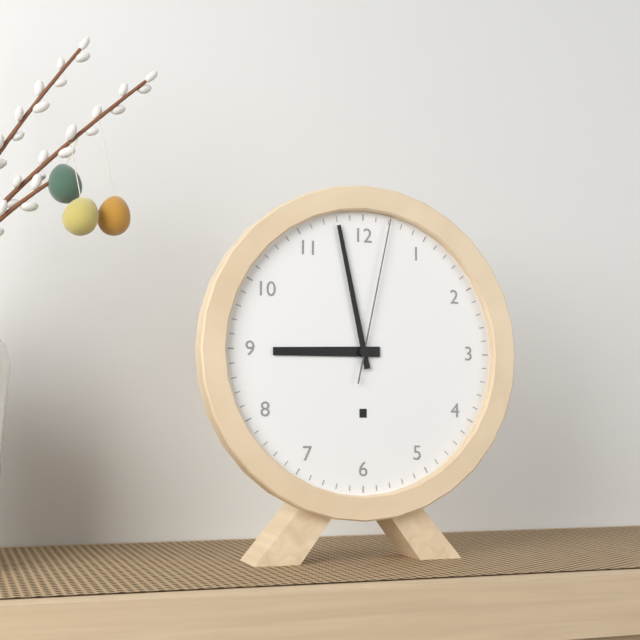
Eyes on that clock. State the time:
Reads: 8:58:02
